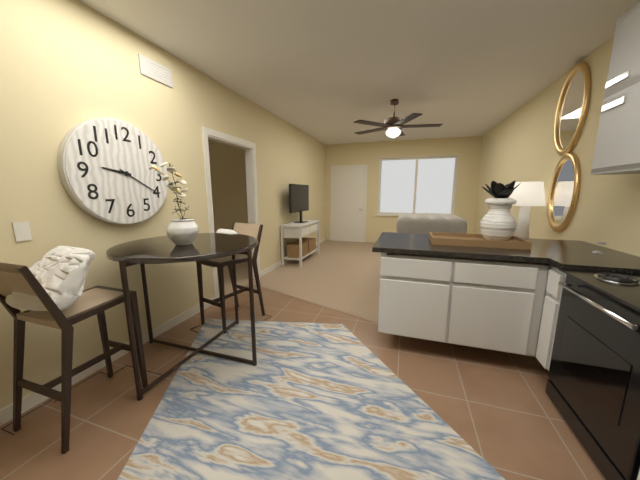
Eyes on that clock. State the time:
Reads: 9:20
